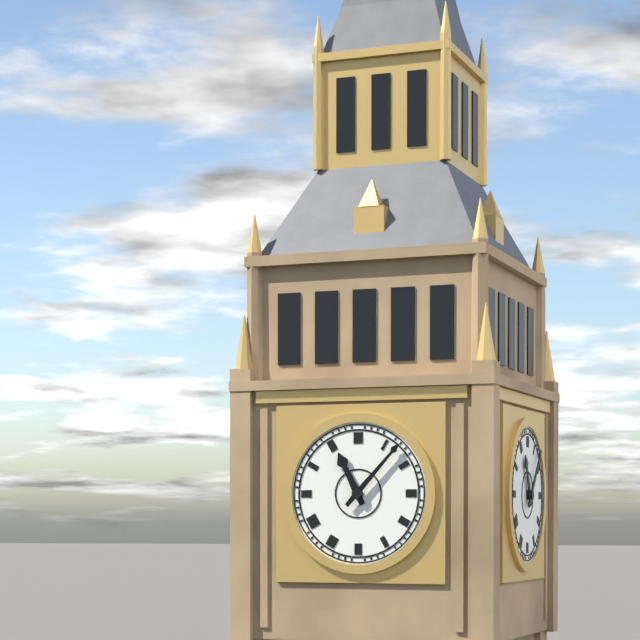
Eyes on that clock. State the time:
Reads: 11:07
